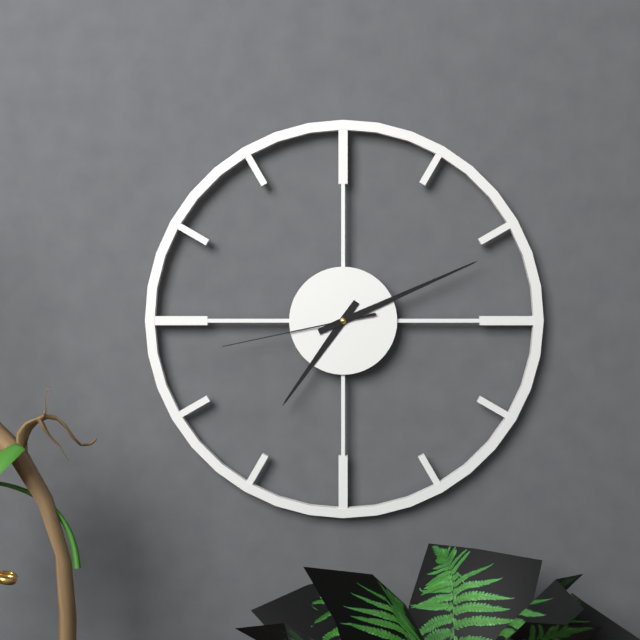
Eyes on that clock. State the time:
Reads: 7:11:43
